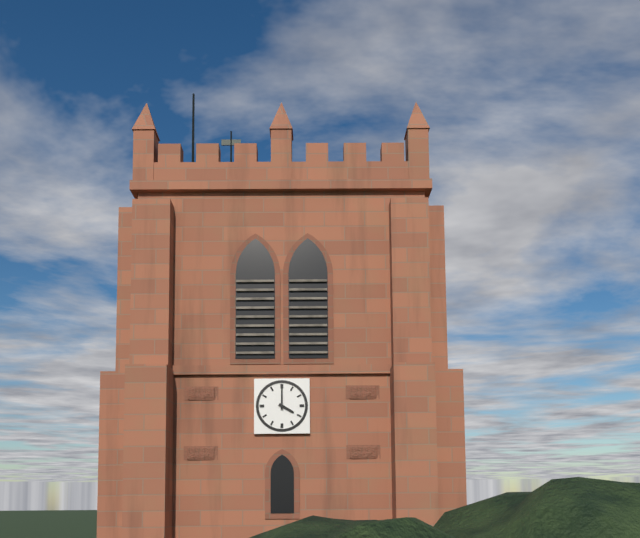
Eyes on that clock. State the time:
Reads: 4:00
